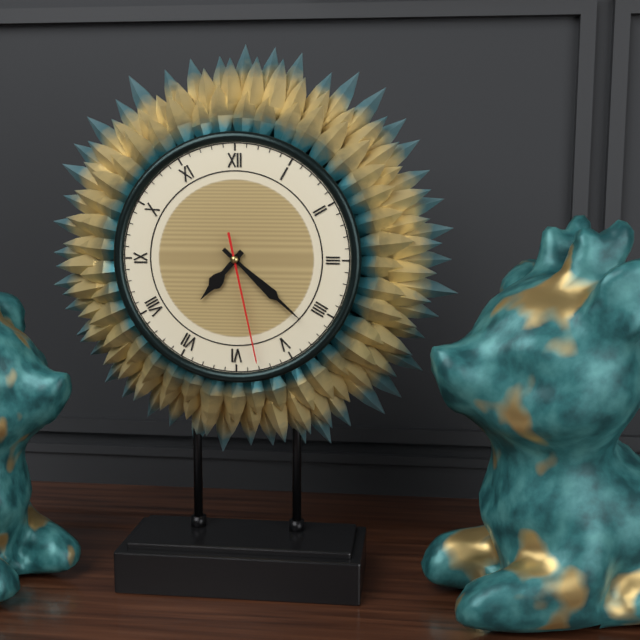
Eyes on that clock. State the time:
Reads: 7:22:28
